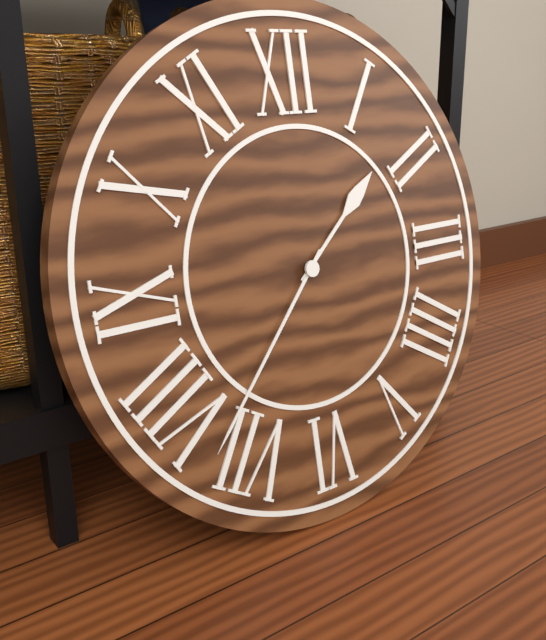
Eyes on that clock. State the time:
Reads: 1:37
